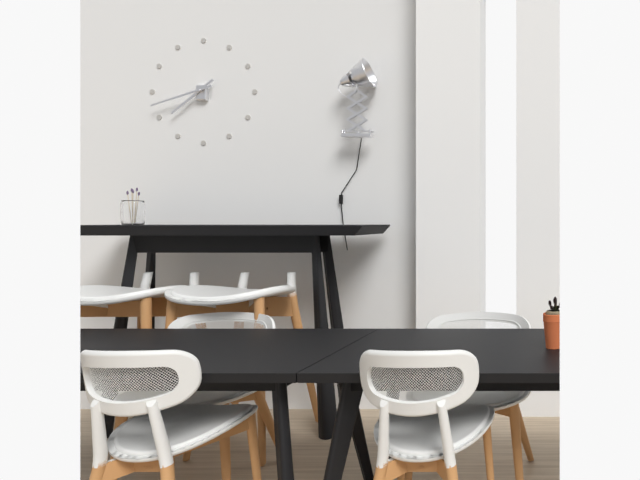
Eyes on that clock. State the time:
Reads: 7:42
